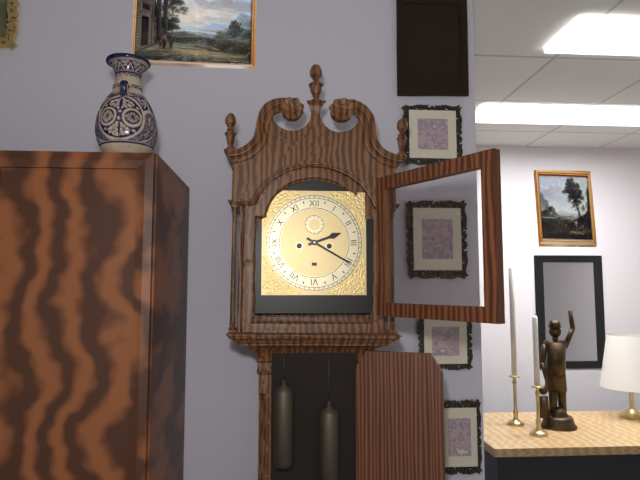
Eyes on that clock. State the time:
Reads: 2:20
